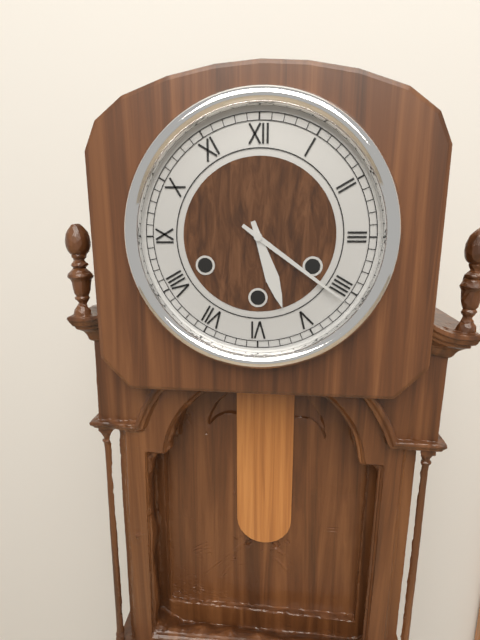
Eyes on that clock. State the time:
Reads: 5:21
